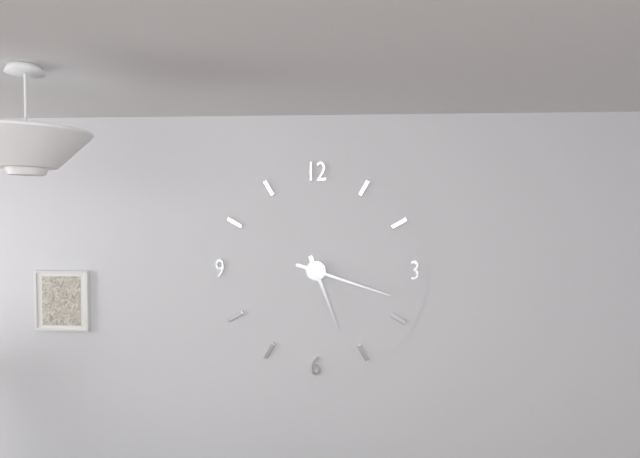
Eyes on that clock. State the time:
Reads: 5:18
